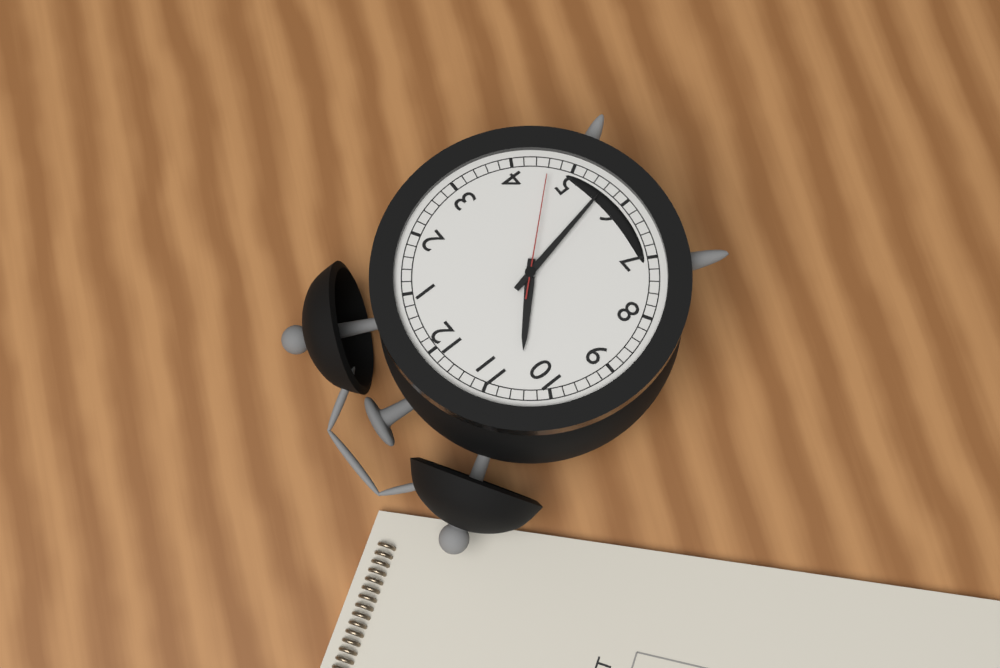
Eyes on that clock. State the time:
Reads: 10:28:23
